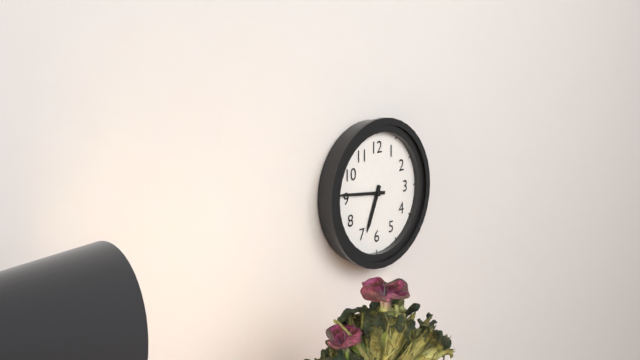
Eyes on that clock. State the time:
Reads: 6:46
